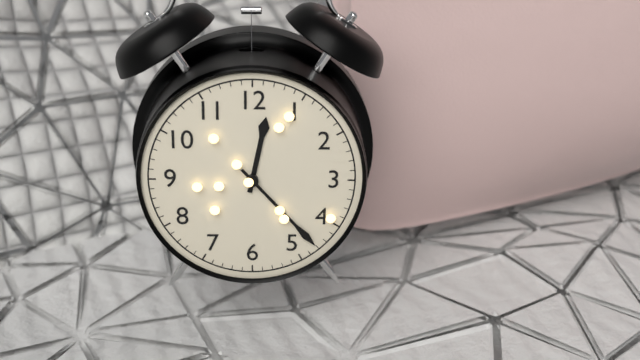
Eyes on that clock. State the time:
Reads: 12:23
